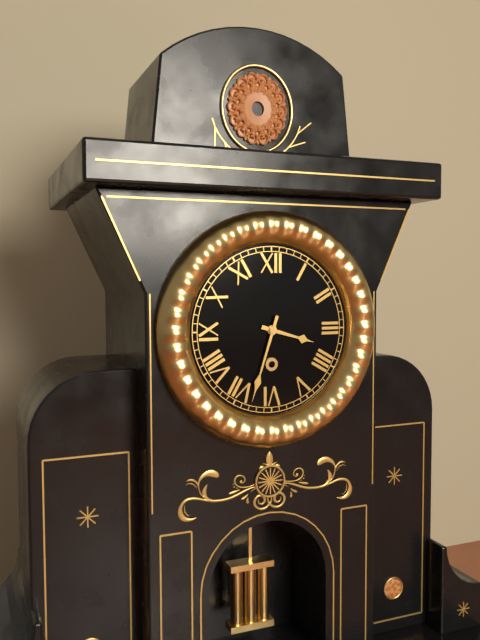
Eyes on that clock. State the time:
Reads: 3:33
